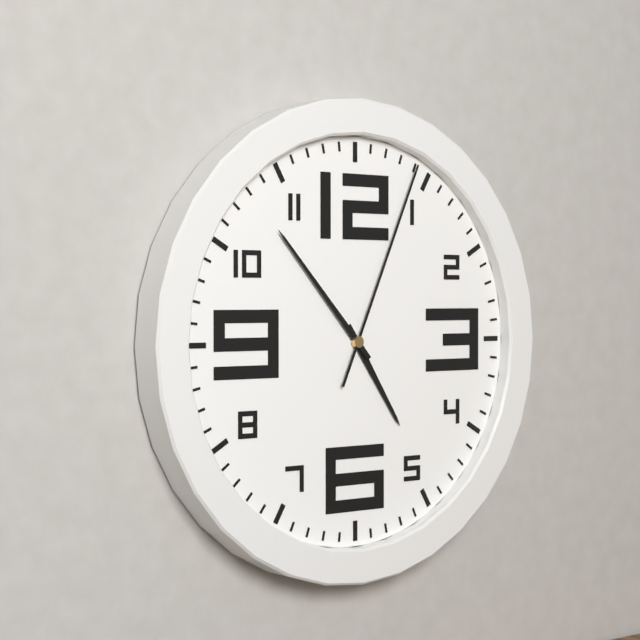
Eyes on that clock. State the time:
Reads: 4:53:04
